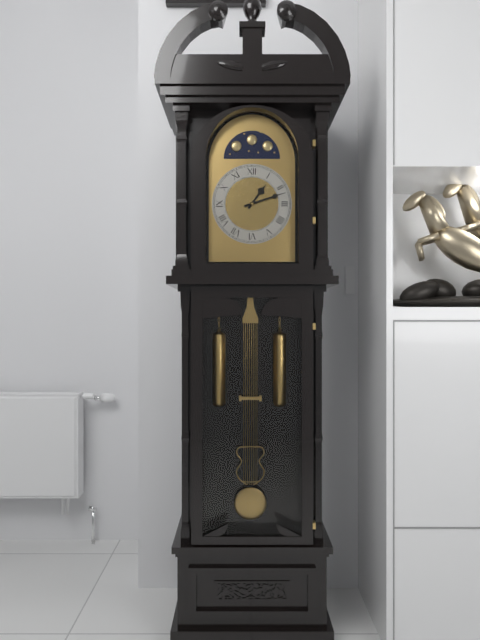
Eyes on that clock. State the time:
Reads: 1:12
